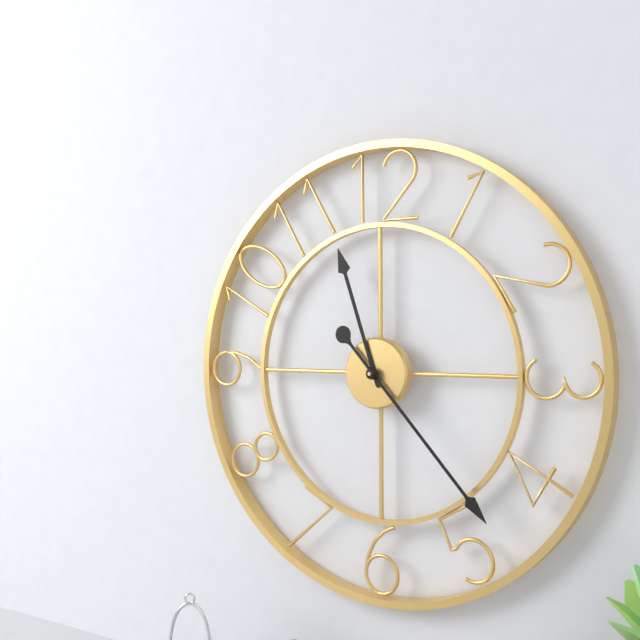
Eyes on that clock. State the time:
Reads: 11:23
